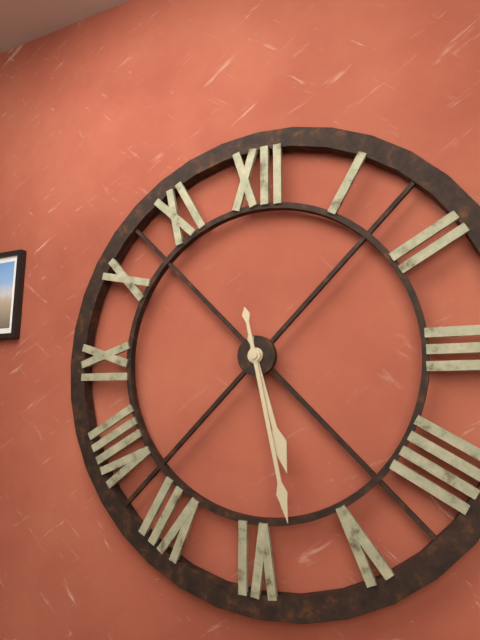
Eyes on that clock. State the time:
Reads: 5:28
